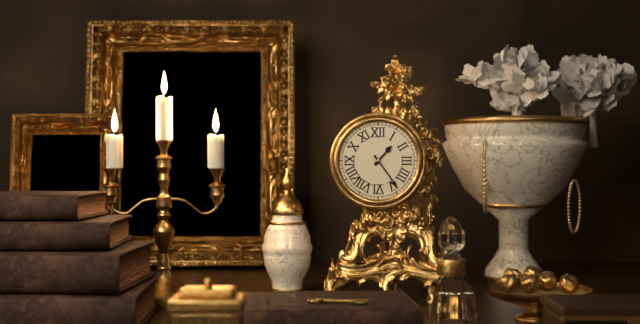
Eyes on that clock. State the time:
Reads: 1:24
